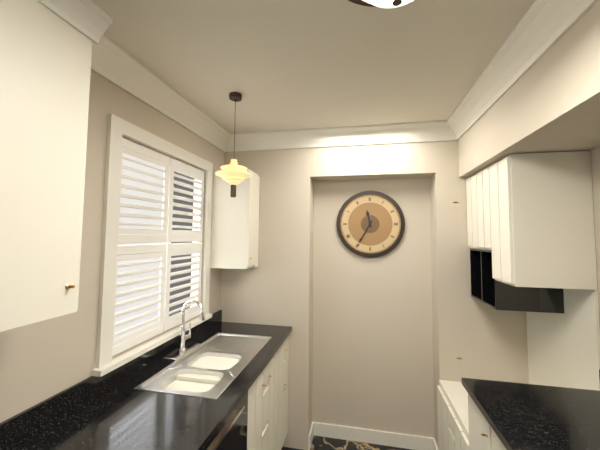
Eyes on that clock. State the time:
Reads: 11:35
